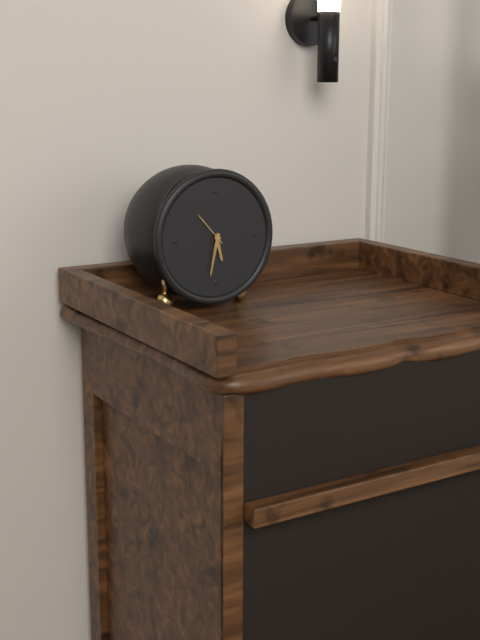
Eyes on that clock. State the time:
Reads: 5:32
